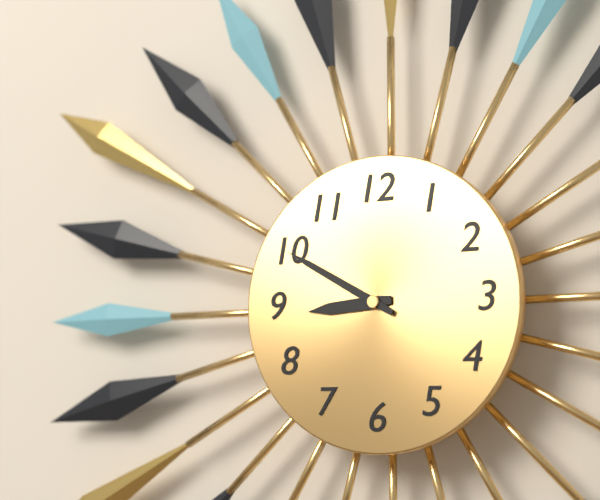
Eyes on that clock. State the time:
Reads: 8:50
